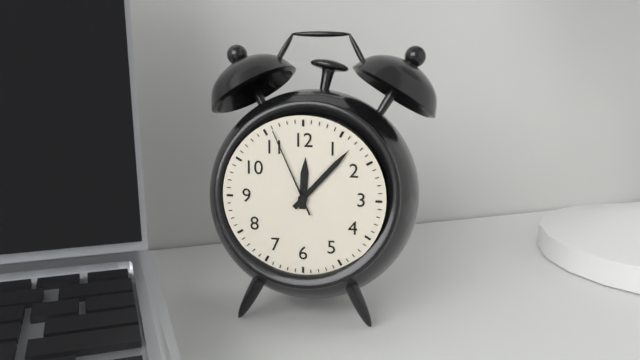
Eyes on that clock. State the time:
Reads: 12:07:56
